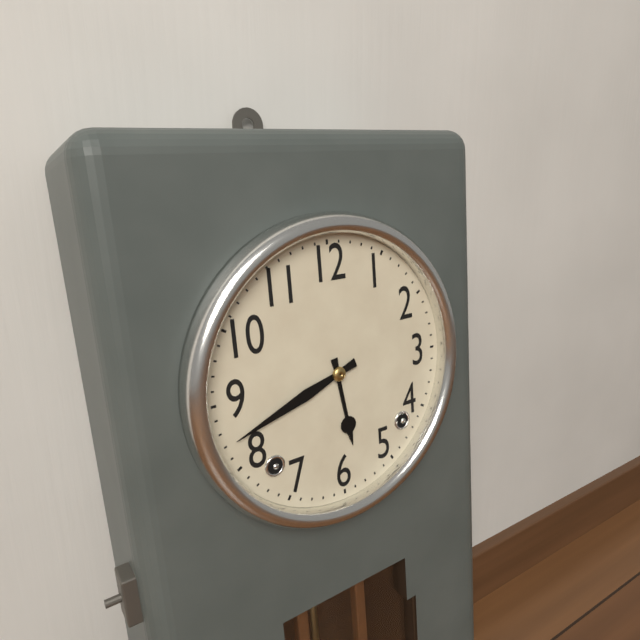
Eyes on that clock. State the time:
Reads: 5:42
